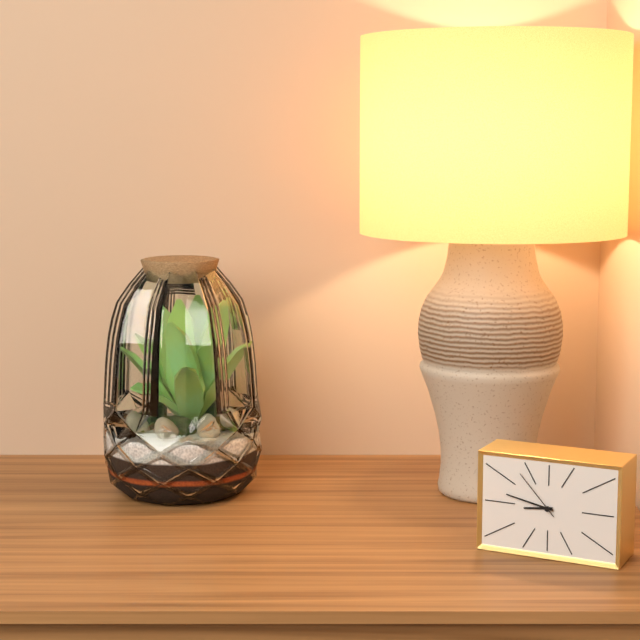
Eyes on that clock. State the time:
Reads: 8:47:53
